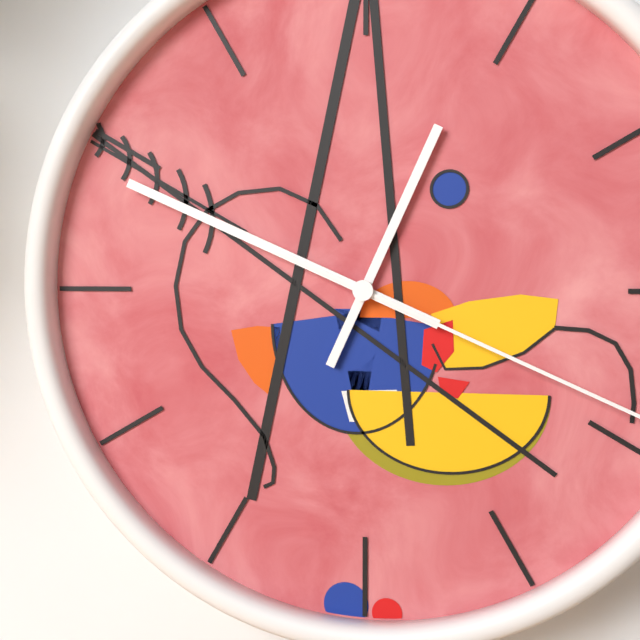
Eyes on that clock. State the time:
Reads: 12:49
